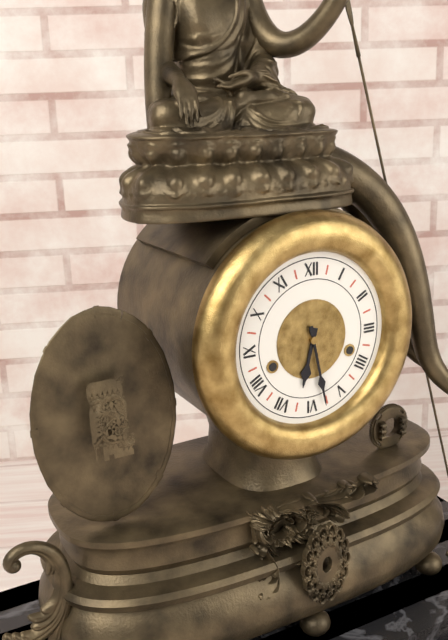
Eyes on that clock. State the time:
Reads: 6:28
